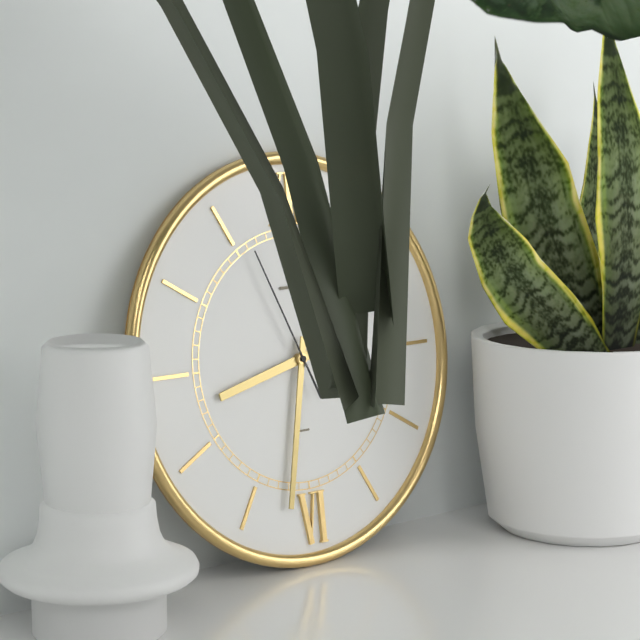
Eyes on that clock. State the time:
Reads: 8:32:56
